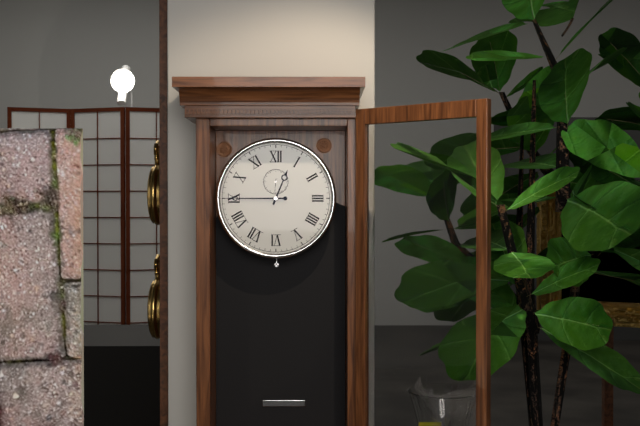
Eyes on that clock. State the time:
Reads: 12:45
